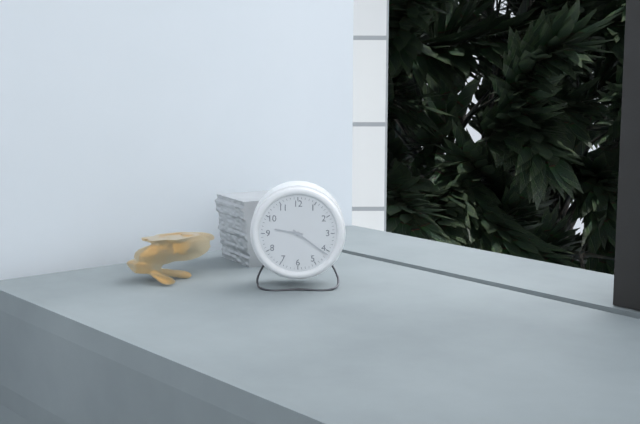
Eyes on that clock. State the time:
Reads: 9:21
